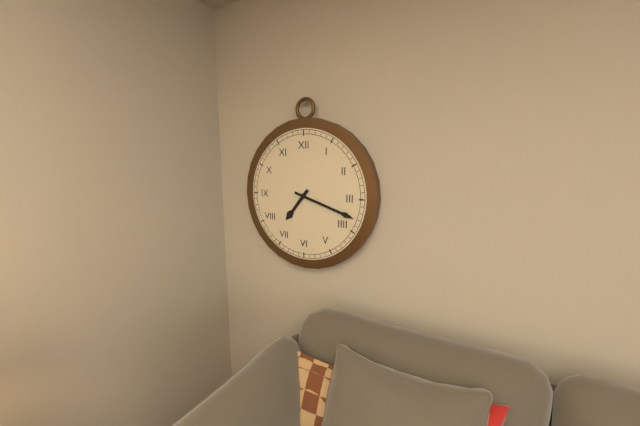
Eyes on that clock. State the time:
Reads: 7:18
